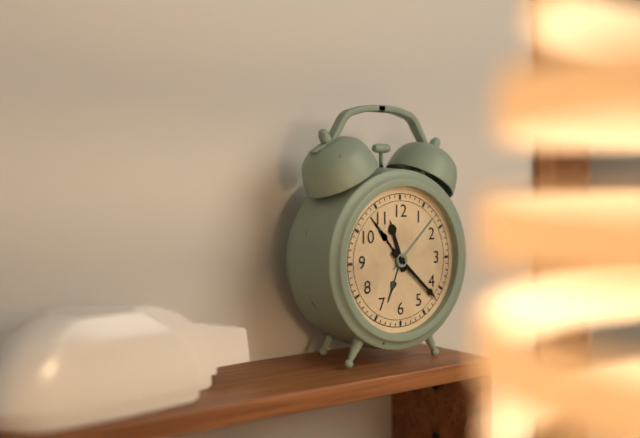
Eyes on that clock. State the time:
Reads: 11:22
